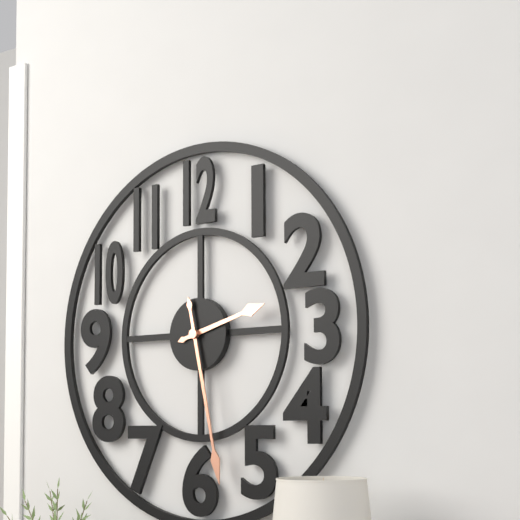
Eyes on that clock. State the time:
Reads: 2:28
